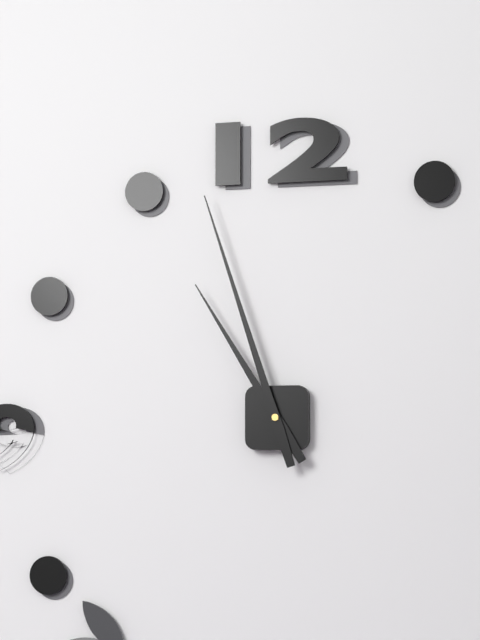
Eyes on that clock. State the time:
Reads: 10:57
